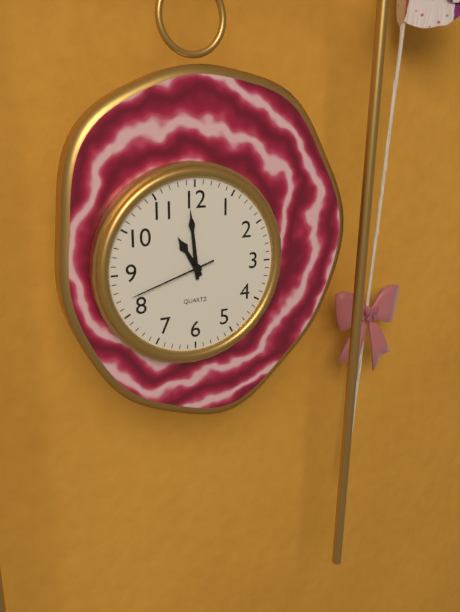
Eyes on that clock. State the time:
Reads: 10:59:42
